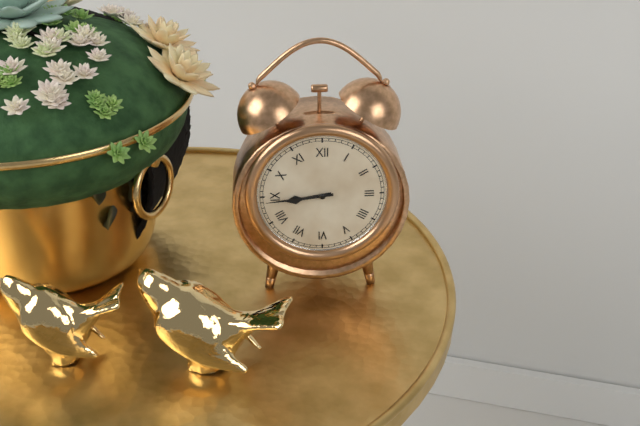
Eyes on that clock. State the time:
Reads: 8:44
